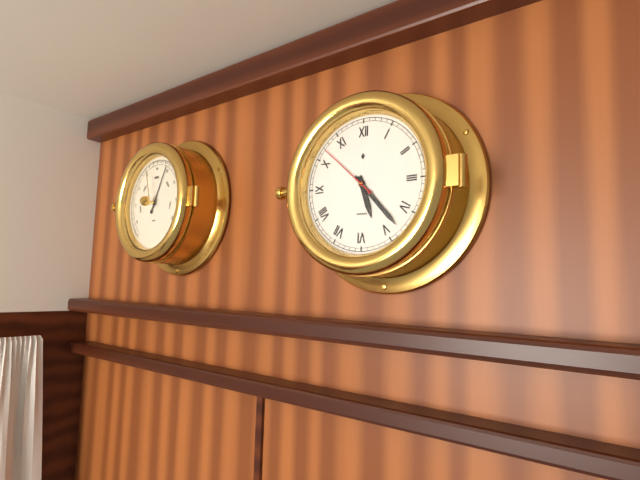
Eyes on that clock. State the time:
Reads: 5:23:52
